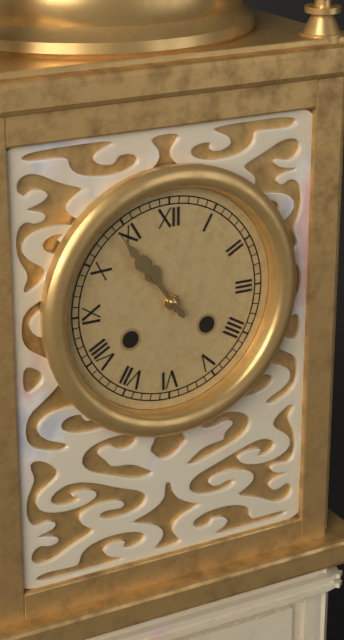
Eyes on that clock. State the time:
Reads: 10:54
